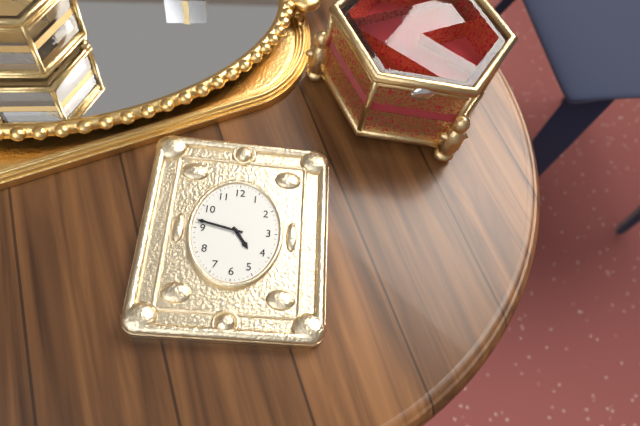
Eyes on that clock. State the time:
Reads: 4:47
